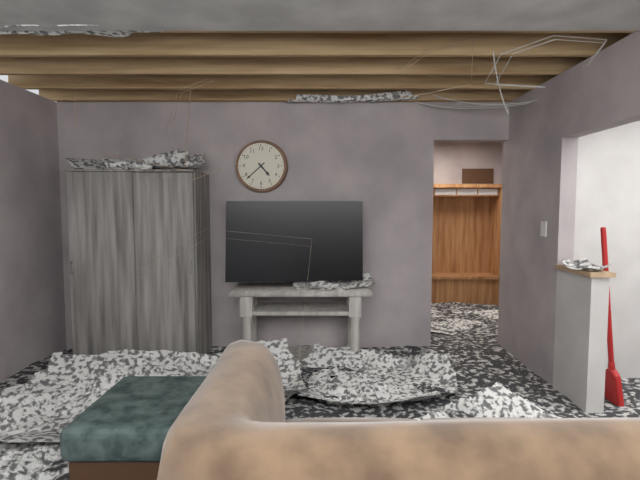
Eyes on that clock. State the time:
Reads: 4:38
